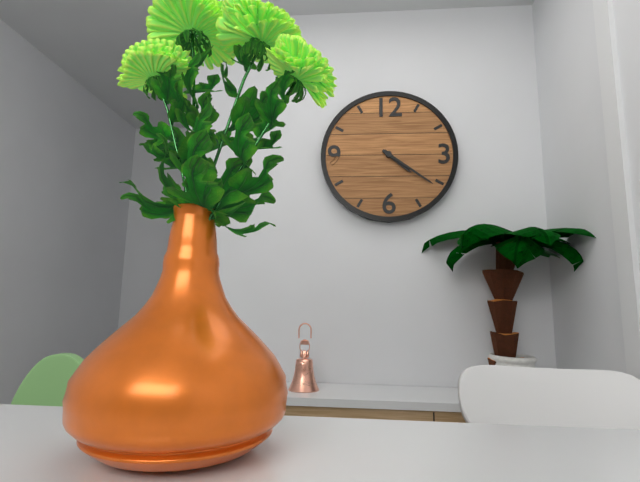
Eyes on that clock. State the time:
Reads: 4:21
